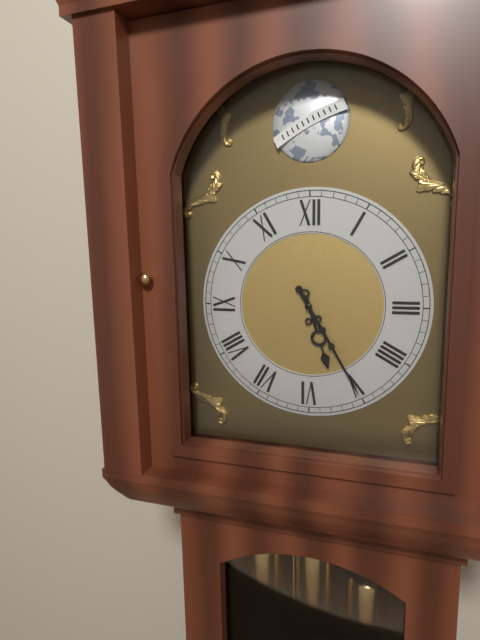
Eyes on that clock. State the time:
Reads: 5:25
